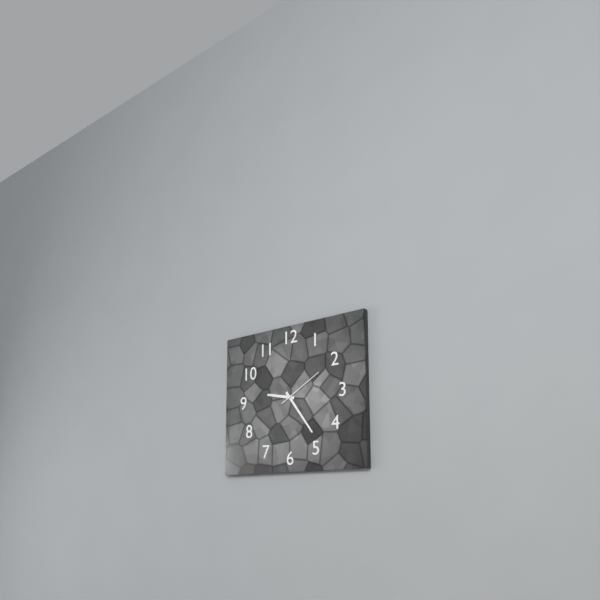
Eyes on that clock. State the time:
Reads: 9:24
